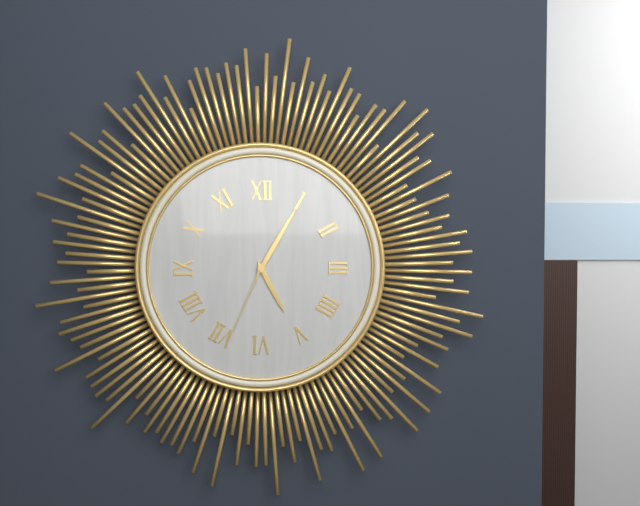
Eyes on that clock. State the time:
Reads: 5:05:34
